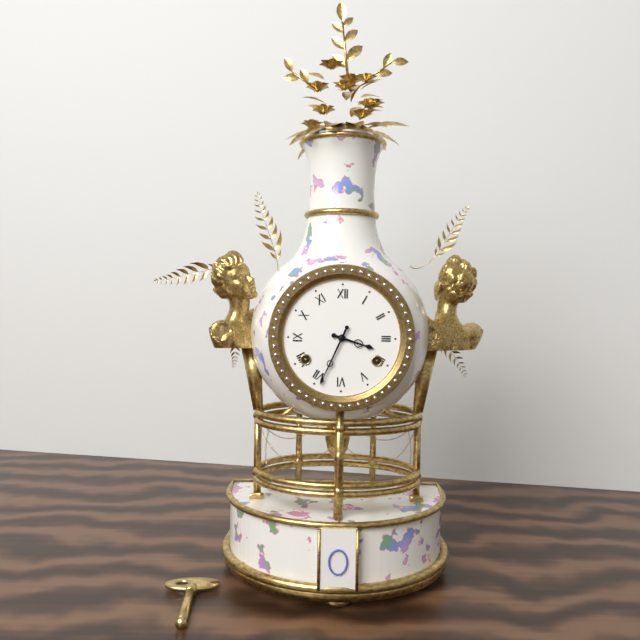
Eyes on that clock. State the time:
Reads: 3:34
